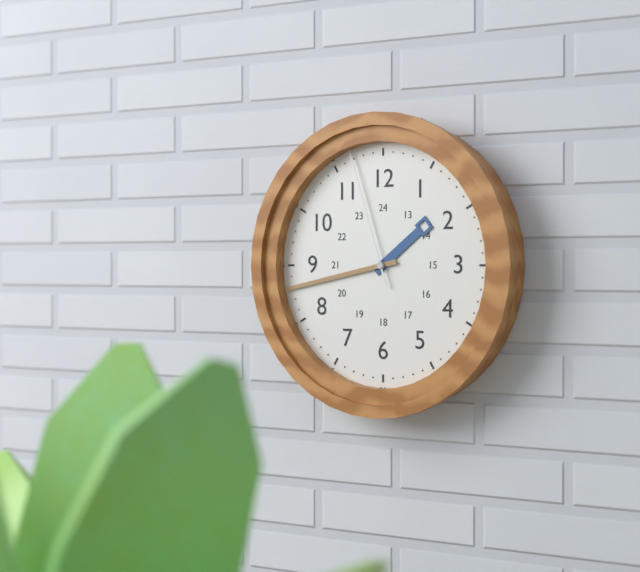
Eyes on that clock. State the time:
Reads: 1:43:57
